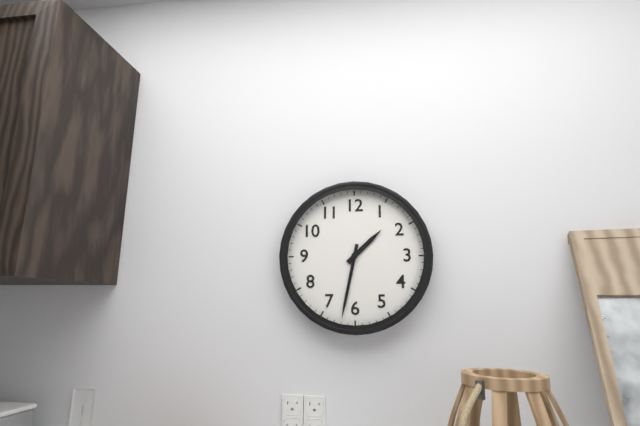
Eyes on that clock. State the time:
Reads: 1:32
